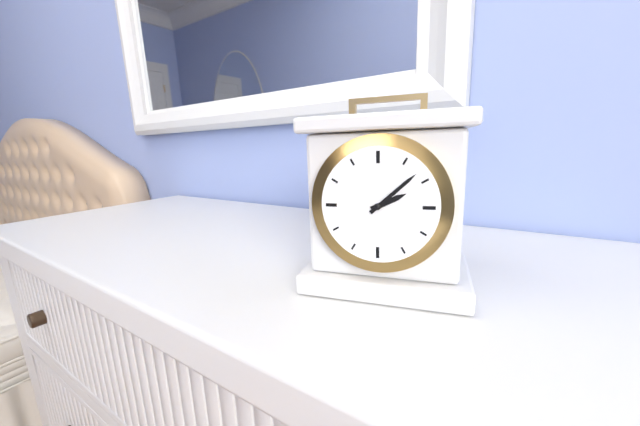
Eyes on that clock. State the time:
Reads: 2:08
